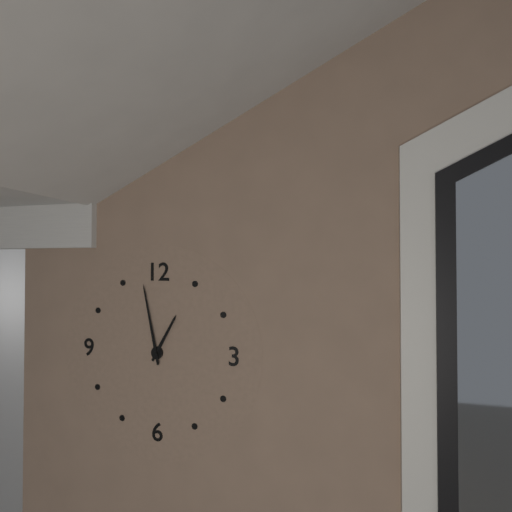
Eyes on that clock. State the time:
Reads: 12:58
